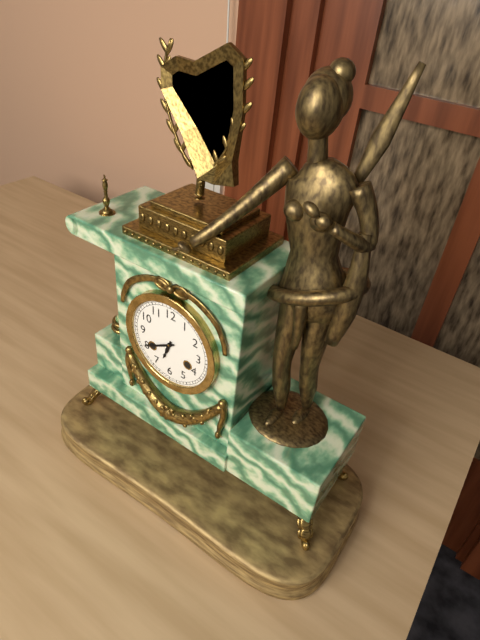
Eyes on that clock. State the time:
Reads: 6:40
